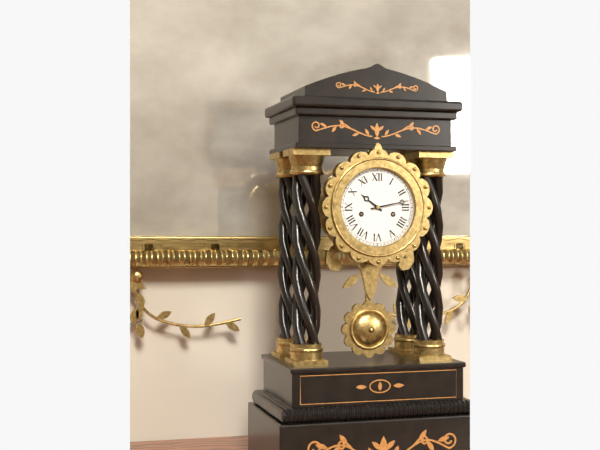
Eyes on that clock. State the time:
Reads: 10:13
